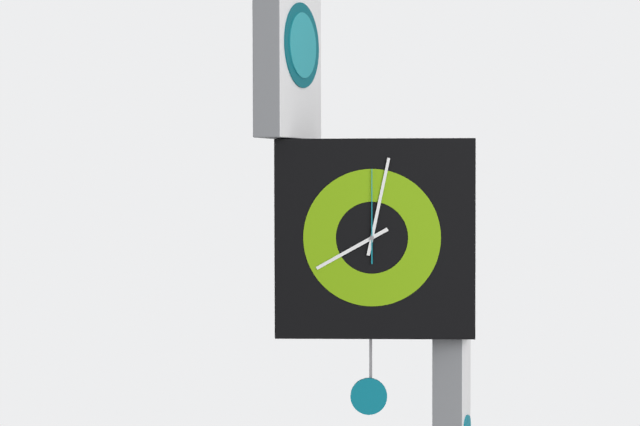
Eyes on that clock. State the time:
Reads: 8:02:00
